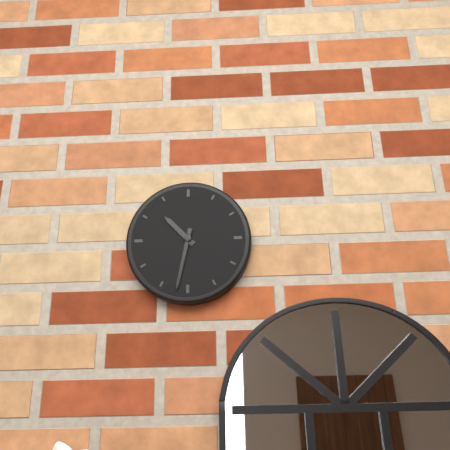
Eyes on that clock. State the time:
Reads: 10:32
